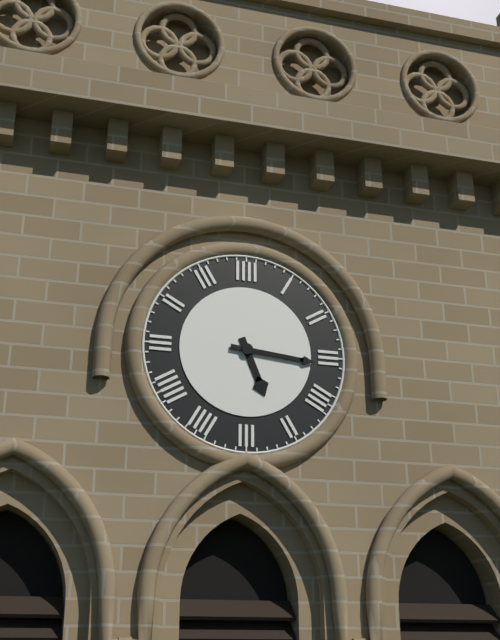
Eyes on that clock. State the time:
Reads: 5:16
